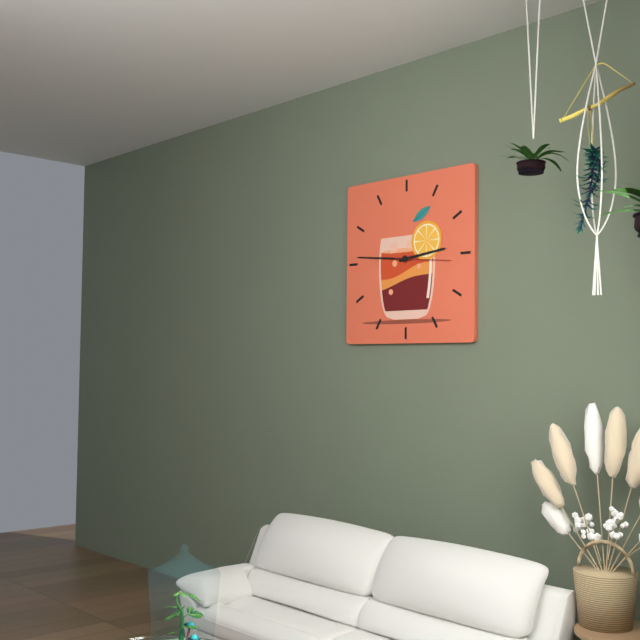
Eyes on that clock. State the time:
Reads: 2:46:16
